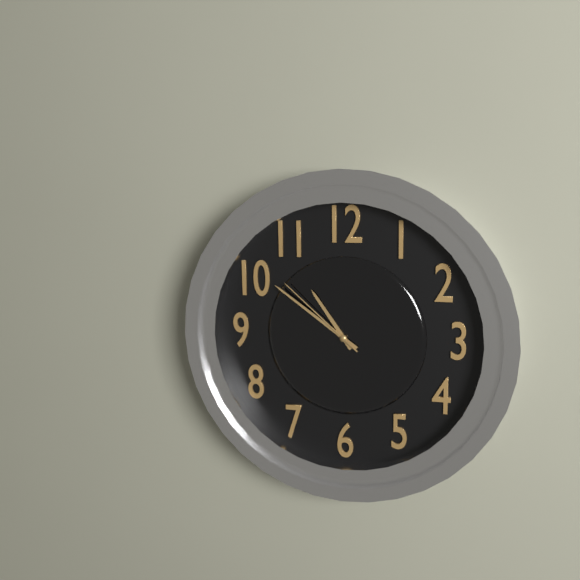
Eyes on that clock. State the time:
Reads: 10:51:52
